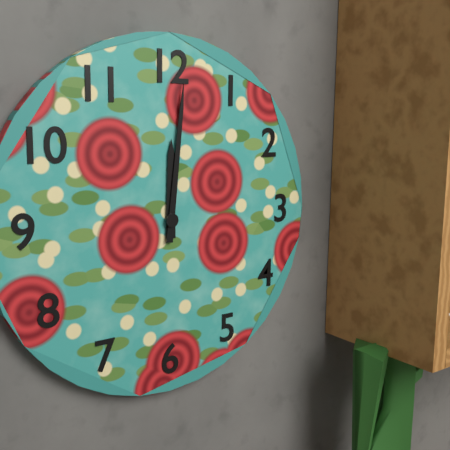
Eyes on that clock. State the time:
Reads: 12:01
